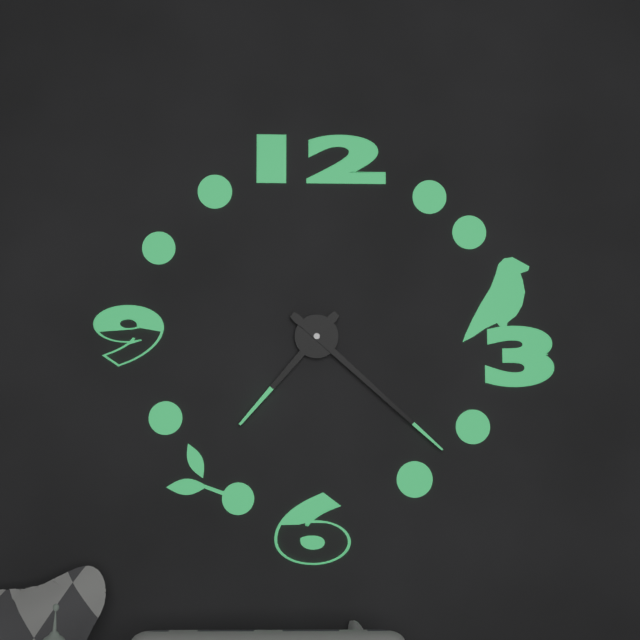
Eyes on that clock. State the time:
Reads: 7:22
